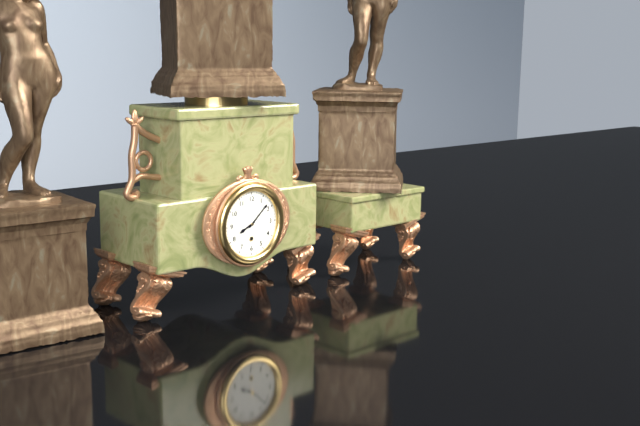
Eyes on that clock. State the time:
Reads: 8:08
